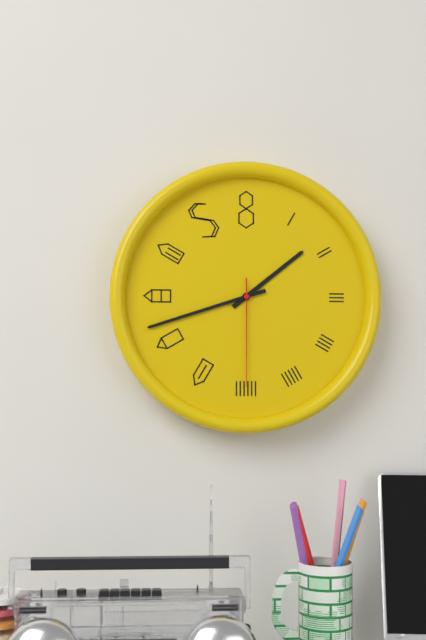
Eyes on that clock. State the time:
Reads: 1:42:30
